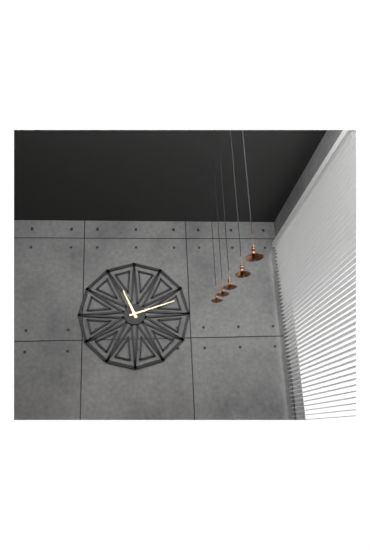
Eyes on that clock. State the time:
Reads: 11:12
